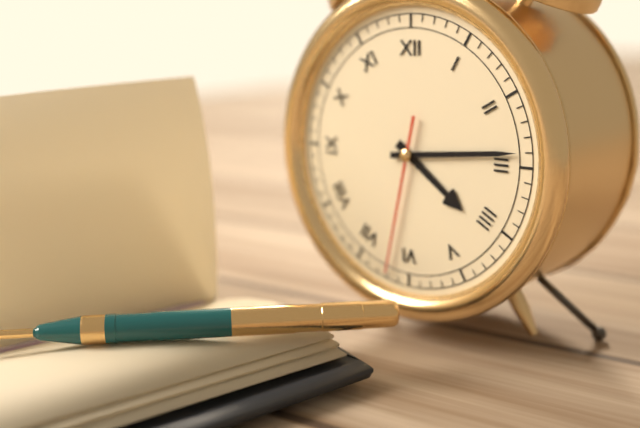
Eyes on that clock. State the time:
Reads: 4:14:32
